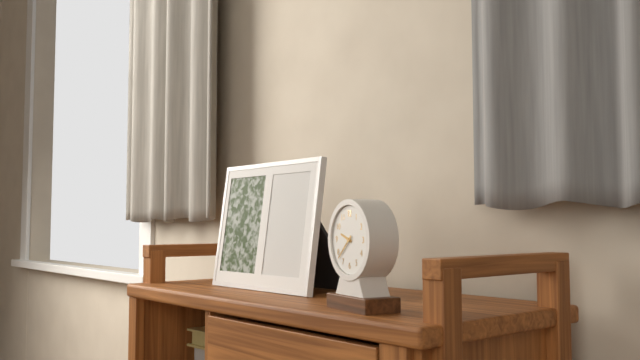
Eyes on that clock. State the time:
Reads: 9:38
